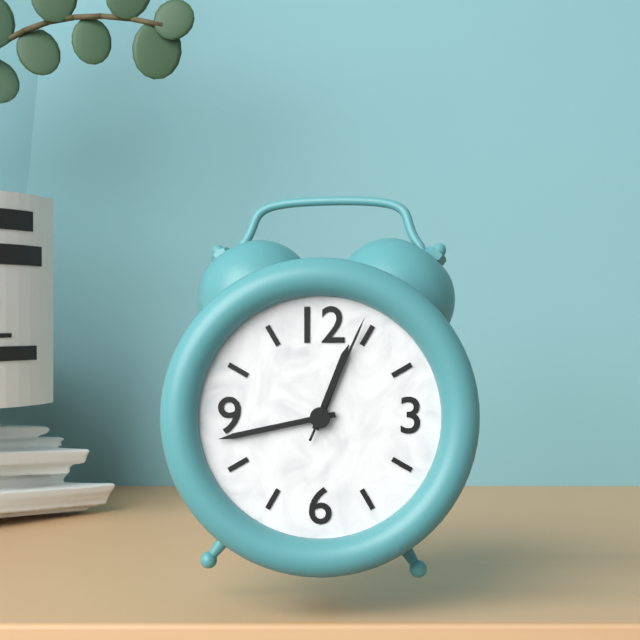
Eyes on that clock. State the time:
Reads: 12:43:04
